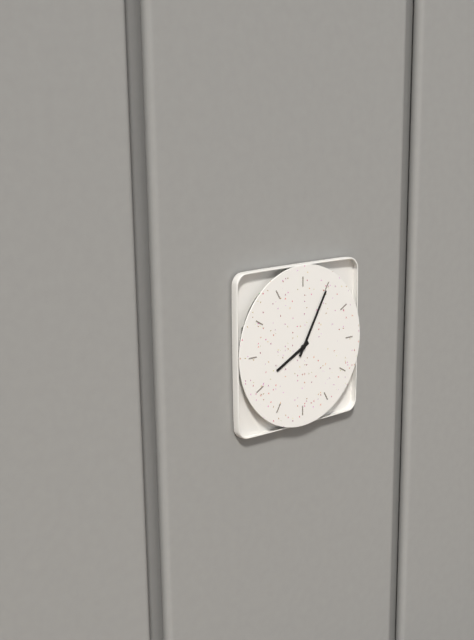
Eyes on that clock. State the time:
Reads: 8:05
